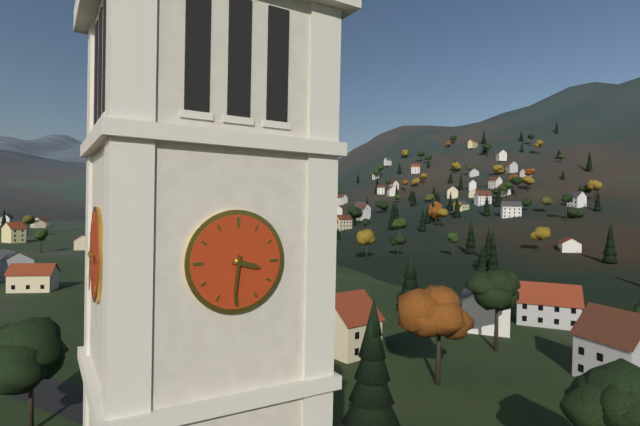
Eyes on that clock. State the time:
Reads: 3:31
